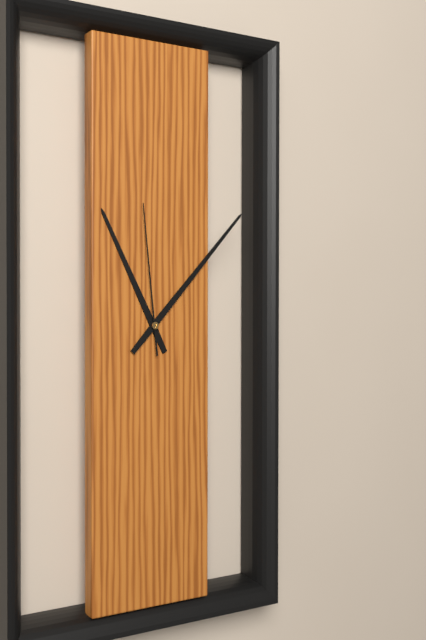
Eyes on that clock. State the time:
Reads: 11:07:59
